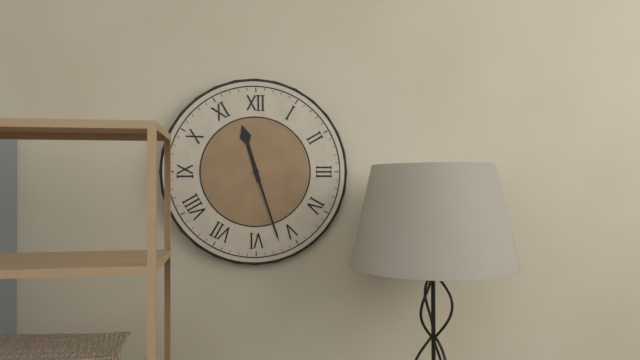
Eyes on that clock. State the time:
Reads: 11:27
